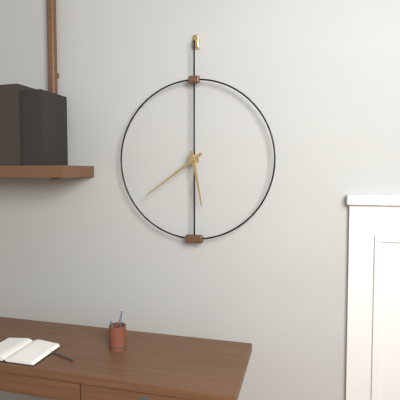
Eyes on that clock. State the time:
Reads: 5:39
